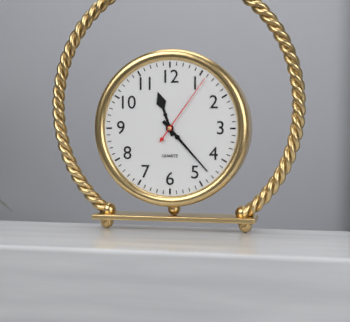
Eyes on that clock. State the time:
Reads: 11:23:06
